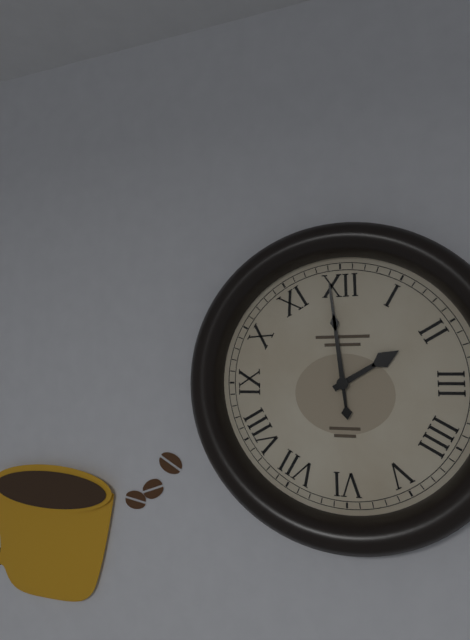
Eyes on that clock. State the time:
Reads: 1:59
